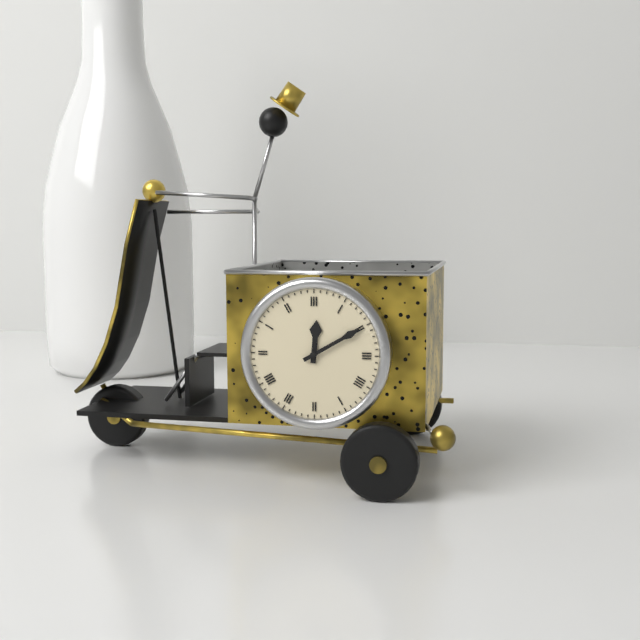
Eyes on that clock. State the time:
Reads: 12:10
